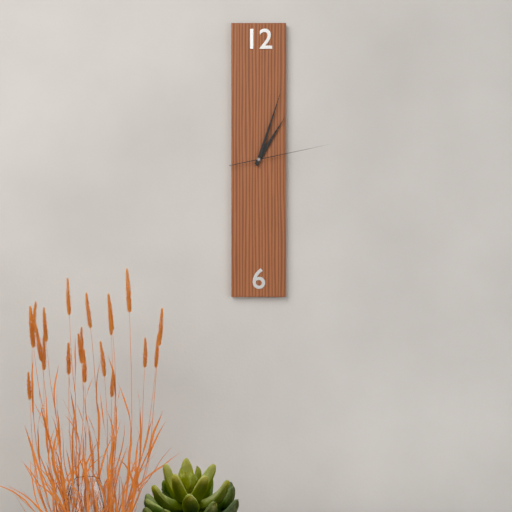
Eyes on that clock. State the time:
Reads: 1:03:13
